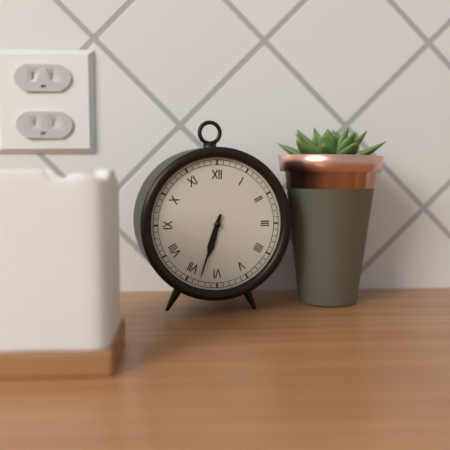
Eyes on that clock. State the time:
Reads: 6:33
